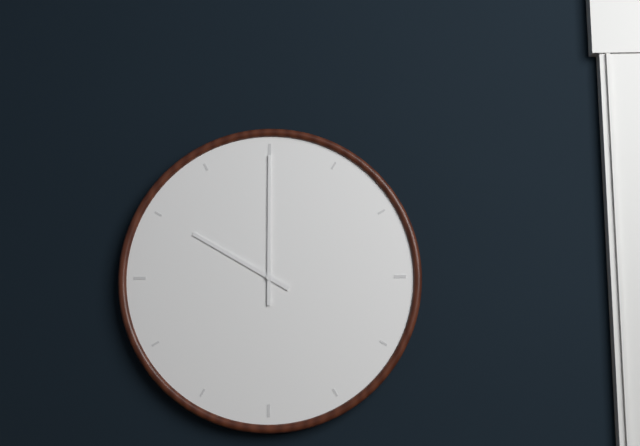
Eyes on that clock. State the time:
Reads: 10:00
